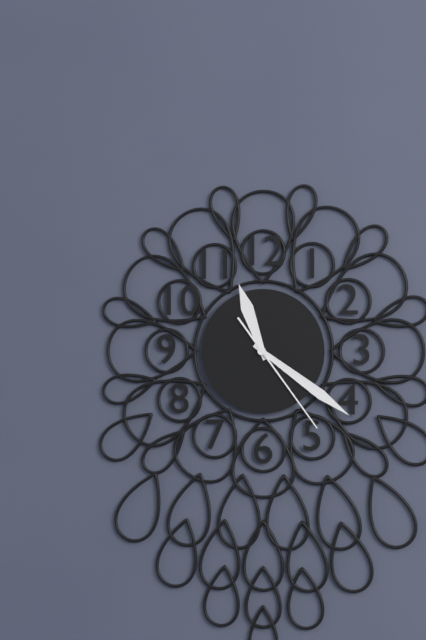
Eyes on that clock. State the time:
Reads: 11:21:24
